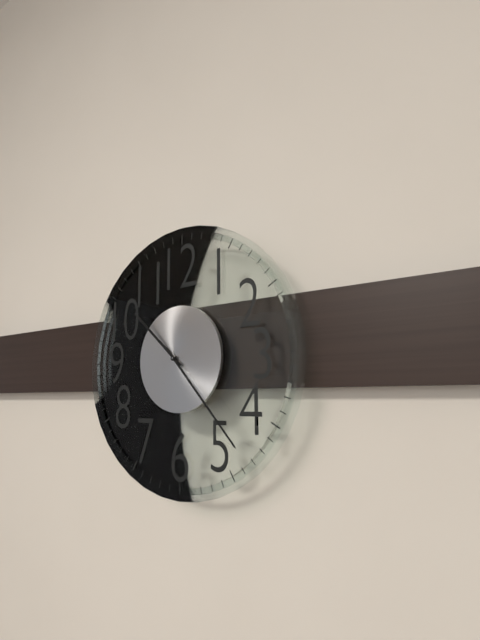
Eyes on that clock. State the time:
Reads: 10:23
